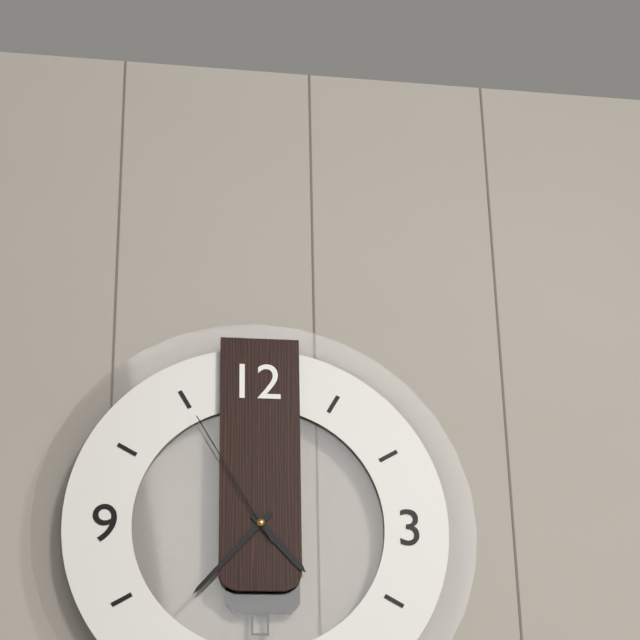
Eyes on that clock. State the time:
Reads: 4:37:55
